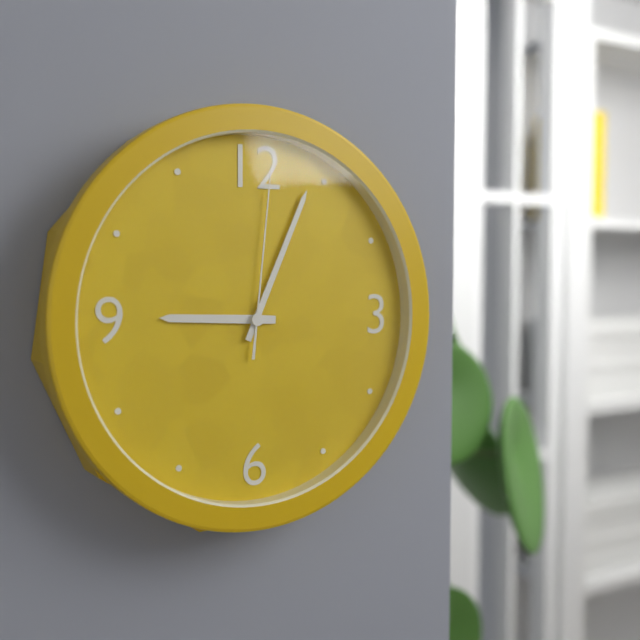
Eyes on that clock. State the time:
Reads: 9:04:01
